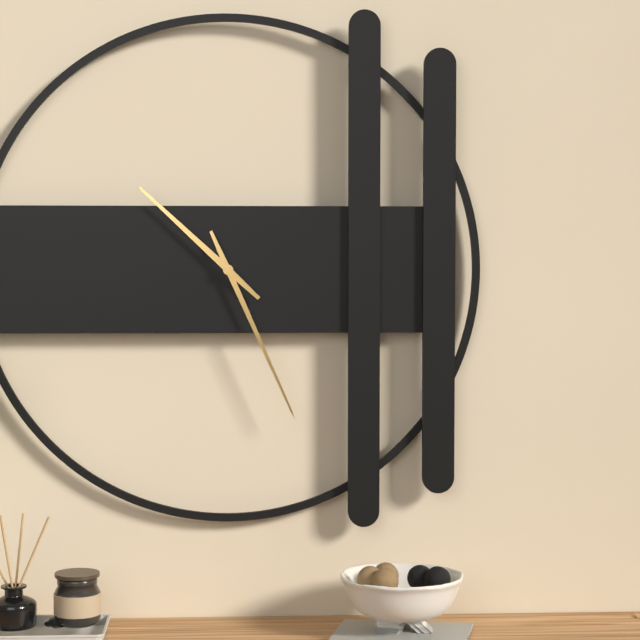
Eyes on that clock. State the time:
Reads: 10:26
